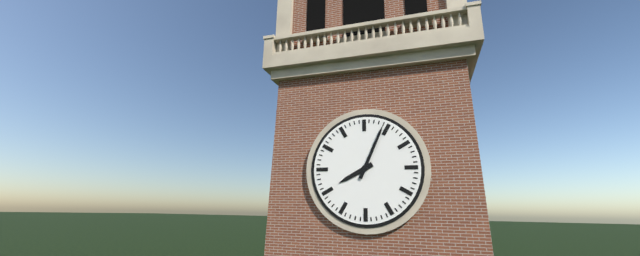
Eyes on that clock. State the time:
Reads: 8:04
